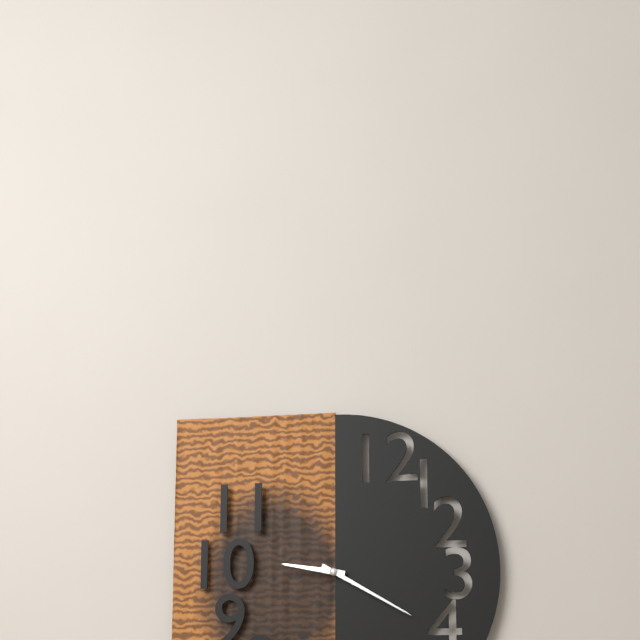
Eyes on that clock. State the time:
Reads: 9:20
